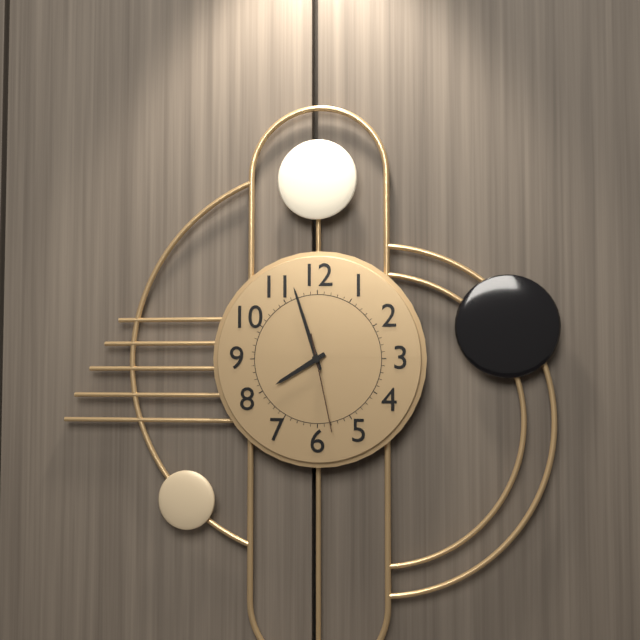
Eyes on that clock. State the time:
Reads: 7:57:28
